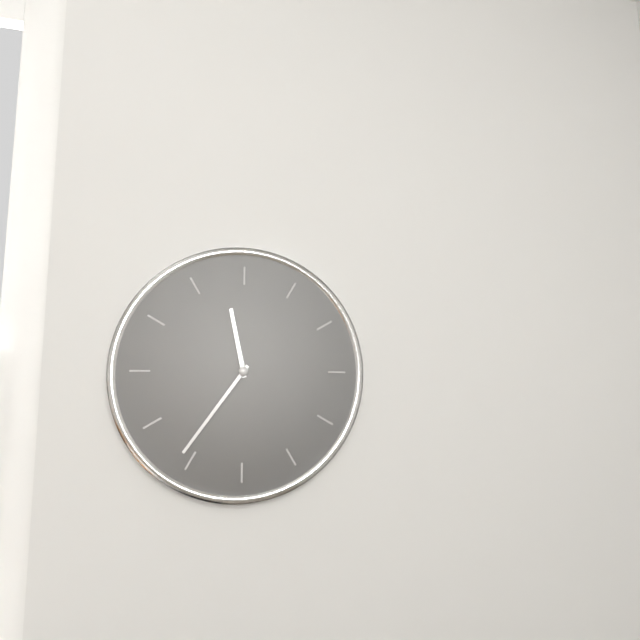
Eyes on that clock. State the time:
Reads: 11:36
